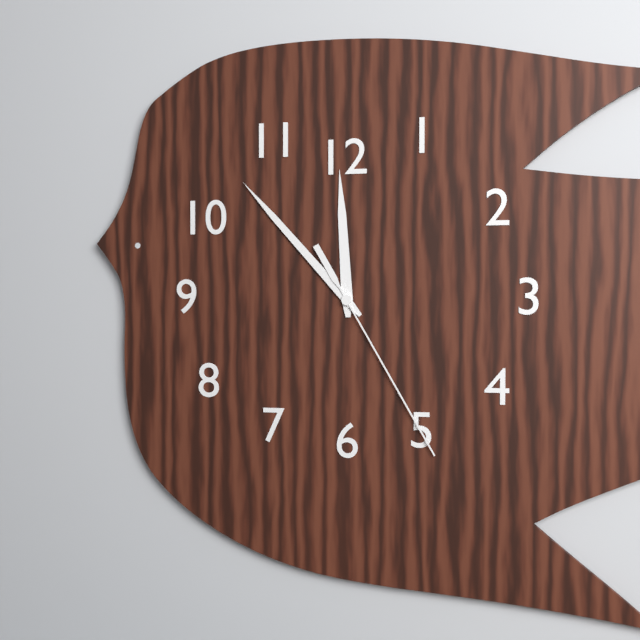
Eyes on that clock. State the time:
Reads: 11:53:25
